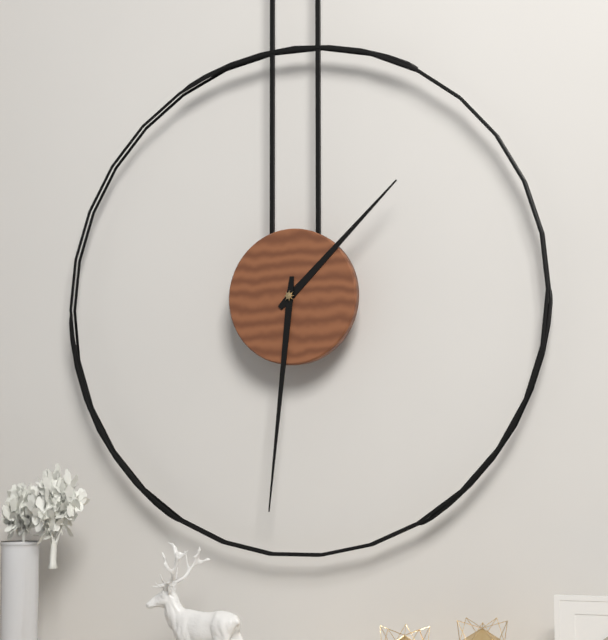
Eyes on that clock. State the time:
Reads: 1:31
